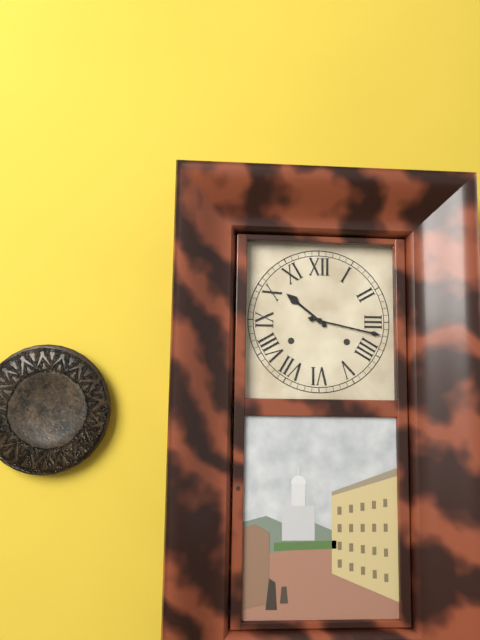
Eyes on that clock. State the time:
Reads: 10:17
